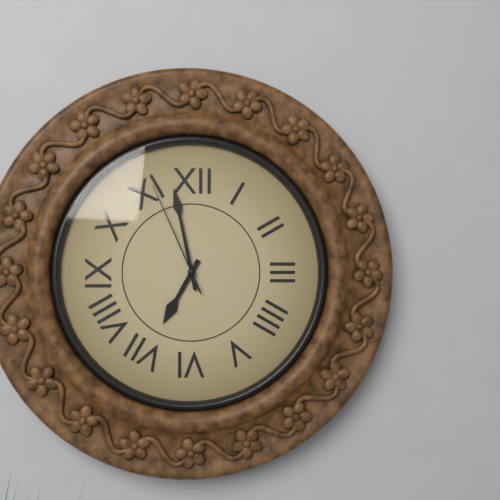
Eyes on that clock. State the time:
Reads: 6:58:56
